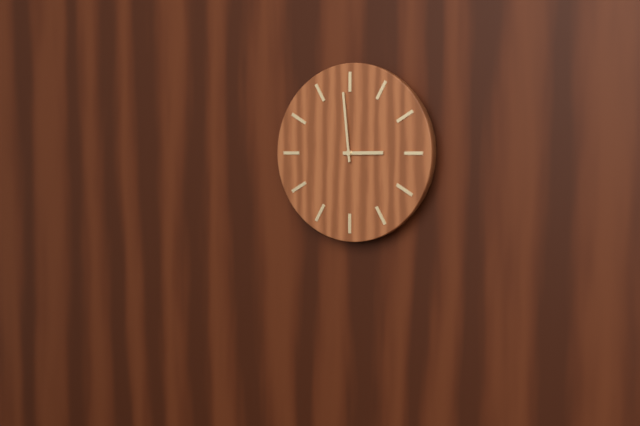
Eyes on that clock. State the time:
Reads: 2:59
